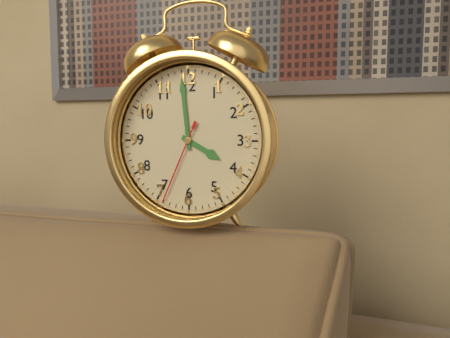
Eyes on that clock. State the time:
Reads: 3:59:34
